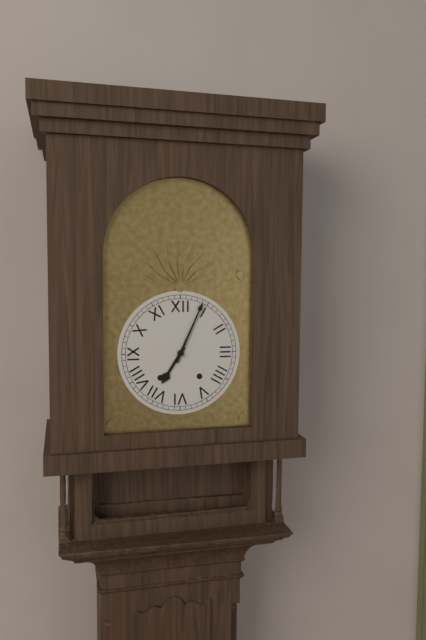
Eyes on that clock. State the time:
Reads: 7:04
